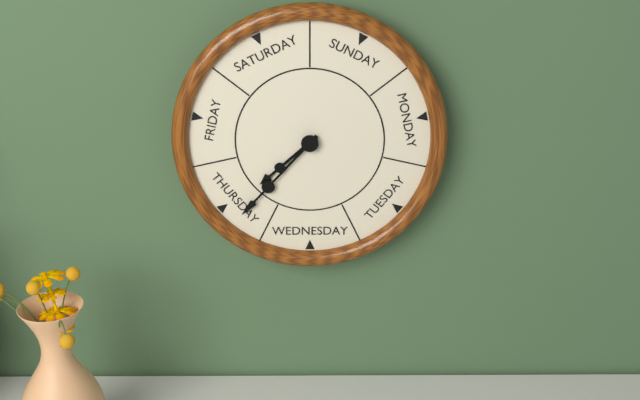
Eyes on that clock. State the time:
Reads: 7:37
